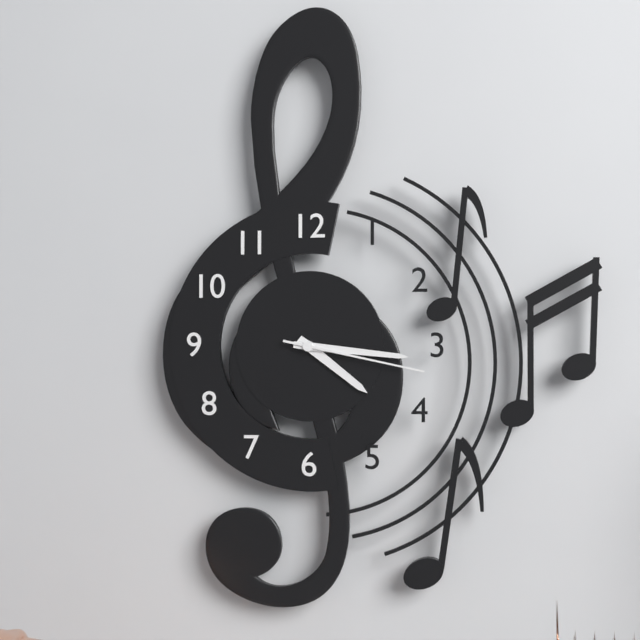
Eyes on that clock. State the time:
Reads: 4:16:17
